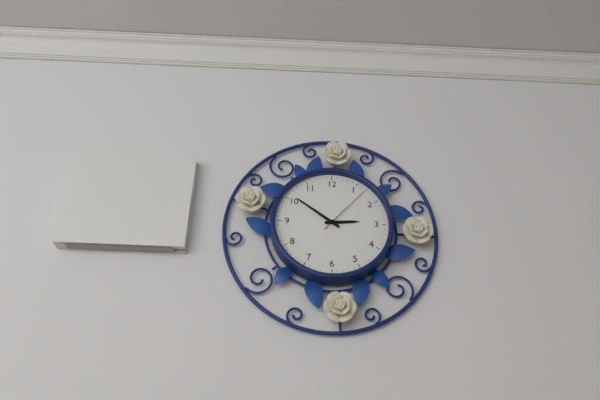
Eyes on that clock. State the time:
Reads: 2:51:07
